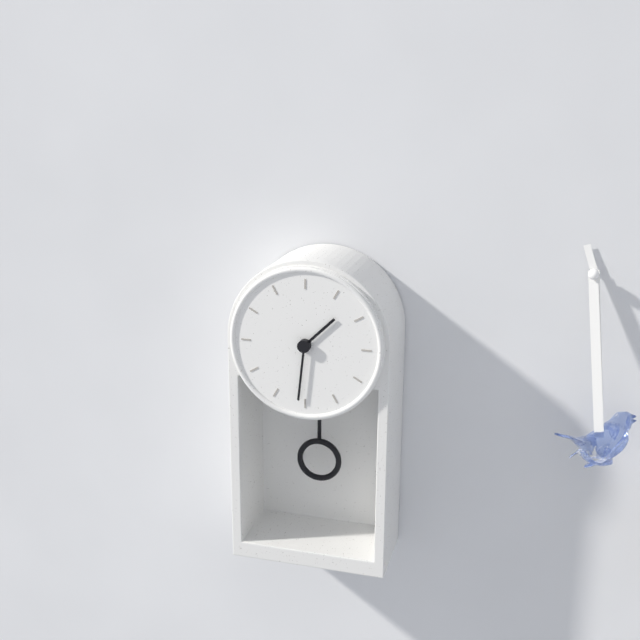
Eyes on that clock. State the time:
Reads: 1:31
